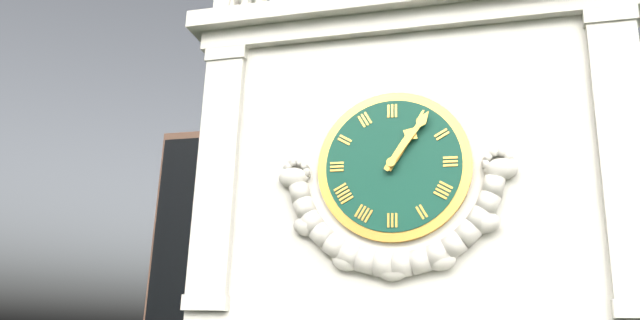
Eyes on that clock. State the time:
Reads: 1:06
